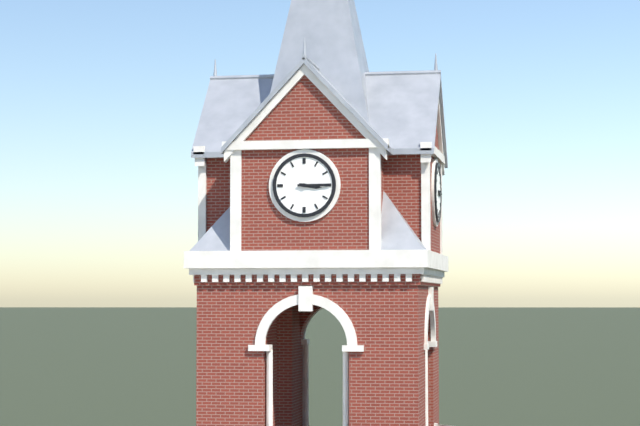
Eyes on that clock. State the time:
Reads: 3:15
